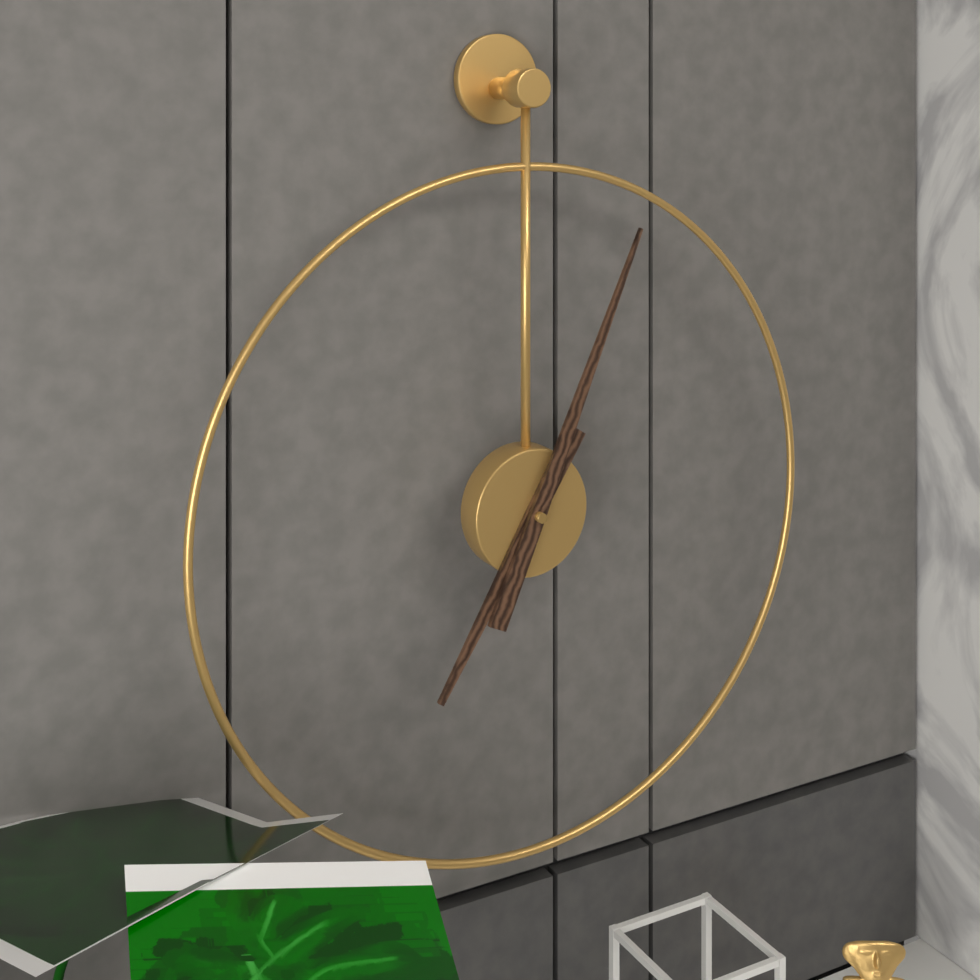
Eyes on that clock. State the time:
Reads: 7:04
